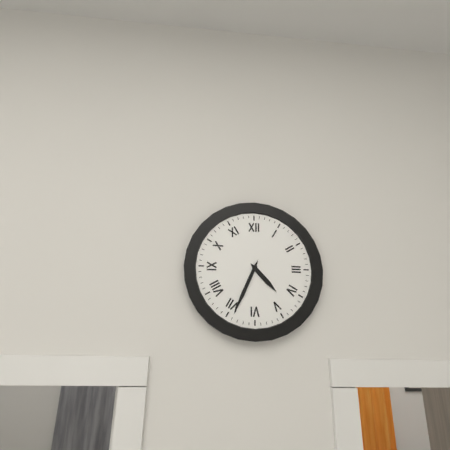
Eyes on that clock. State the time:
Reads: 4:34
